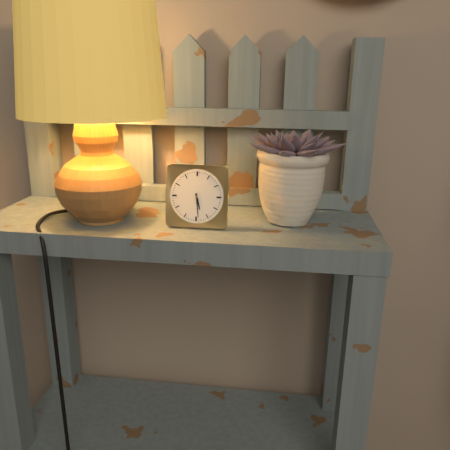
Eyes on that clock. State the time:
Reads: 5:29
